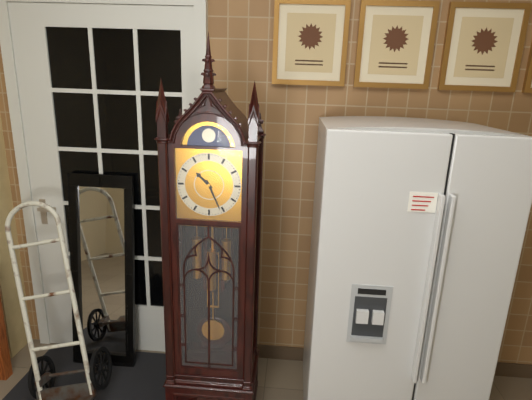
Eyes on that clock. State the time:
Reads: 10:26
